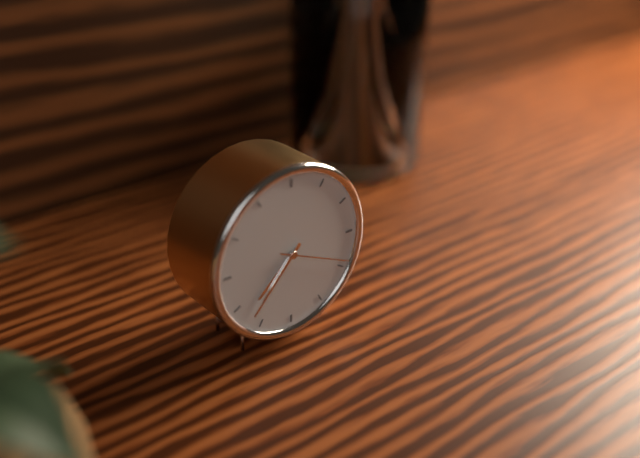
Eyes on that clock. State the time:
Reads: 7:37:19
